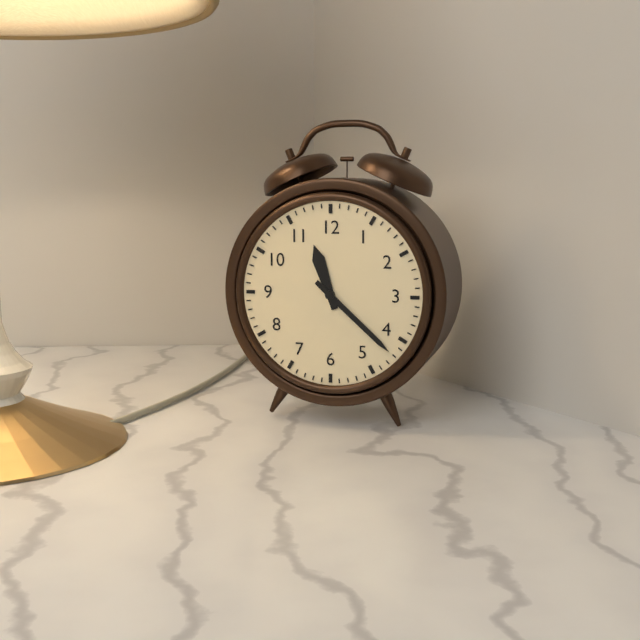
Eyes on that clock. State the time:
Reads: 11:22
